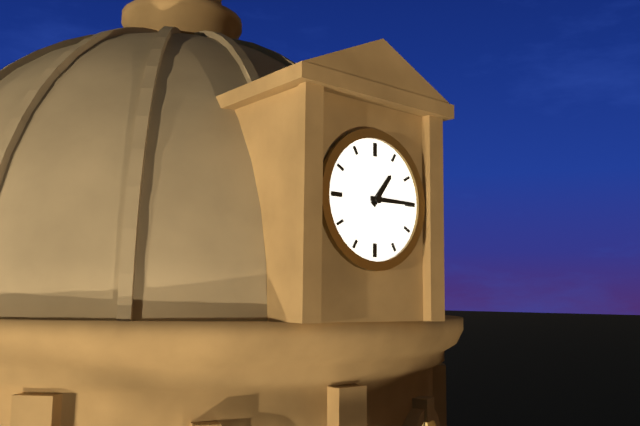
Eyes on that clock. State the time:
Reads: 1:15
